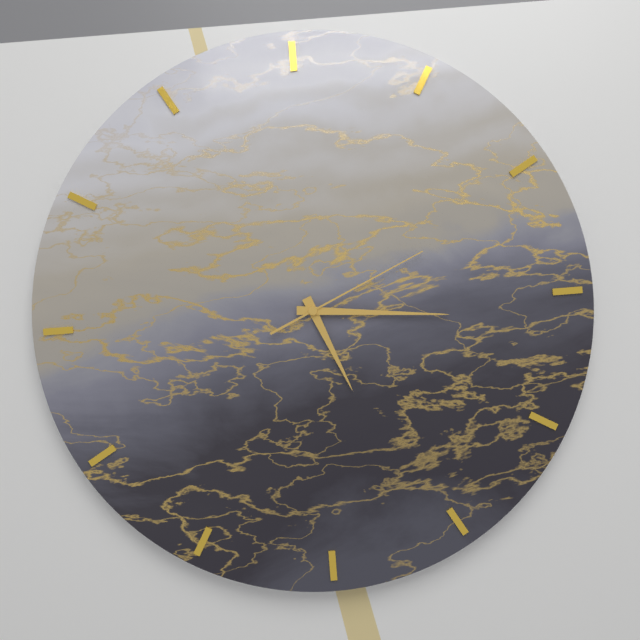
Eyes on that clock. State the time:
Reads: 5:16:11
